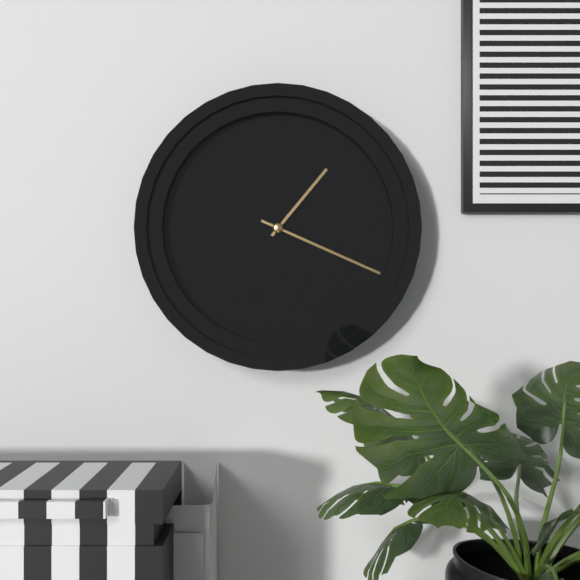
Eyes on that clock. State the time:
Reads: 1:19
